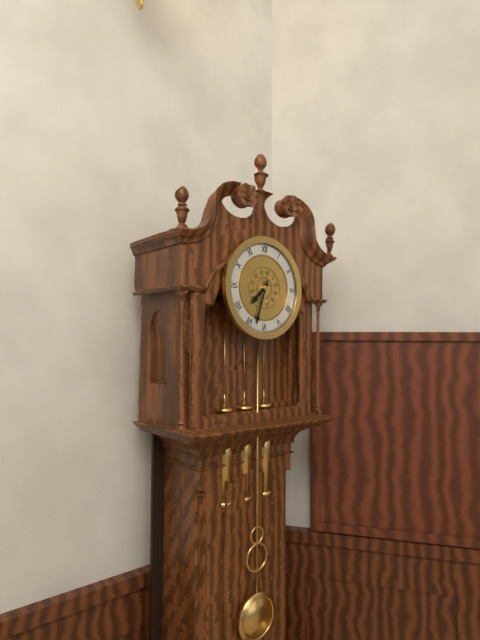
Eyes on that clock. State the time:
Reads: 7:33
